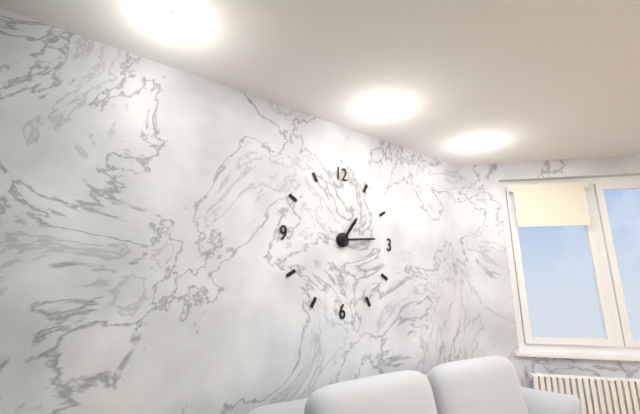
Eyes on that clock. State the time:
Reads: 1:14
